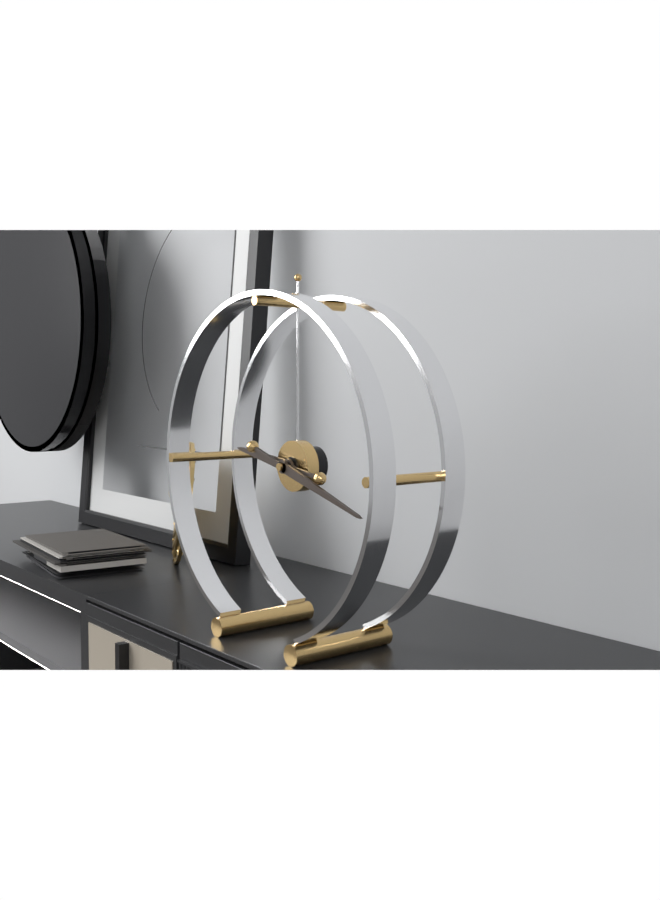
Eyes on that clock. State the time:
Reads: 9:18
